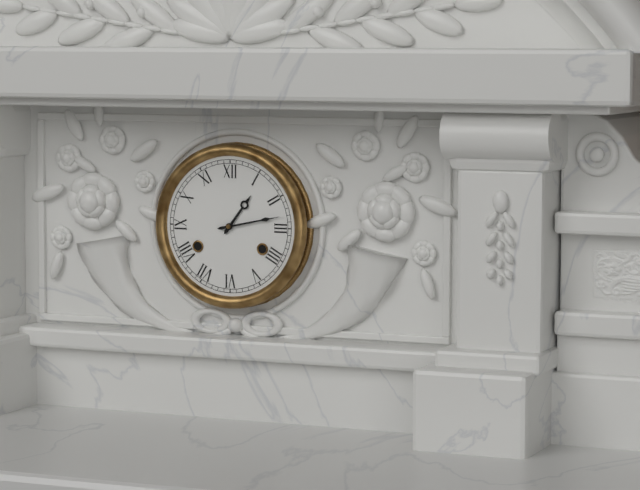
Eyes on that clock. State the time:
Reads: 1:13
